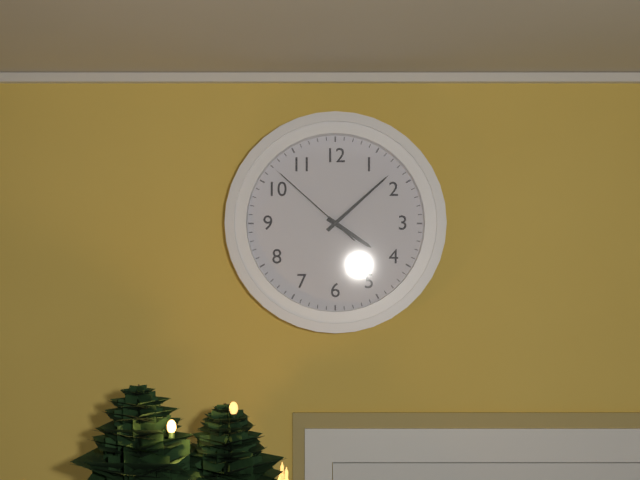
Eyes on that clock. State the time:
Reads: 4:08:52
